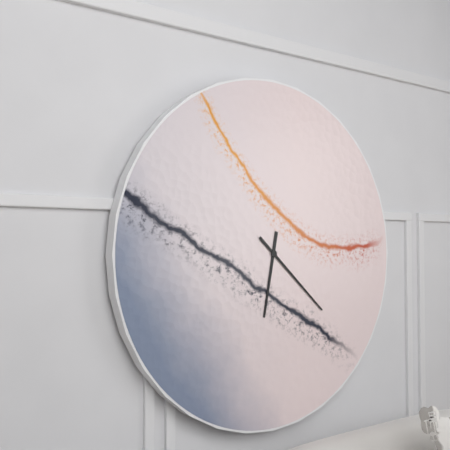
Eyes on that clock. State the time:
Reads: 6:22
